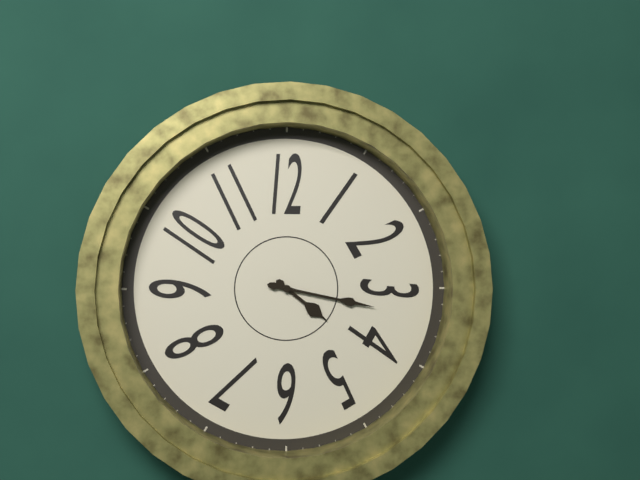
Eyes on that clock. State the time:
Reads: 4:17
